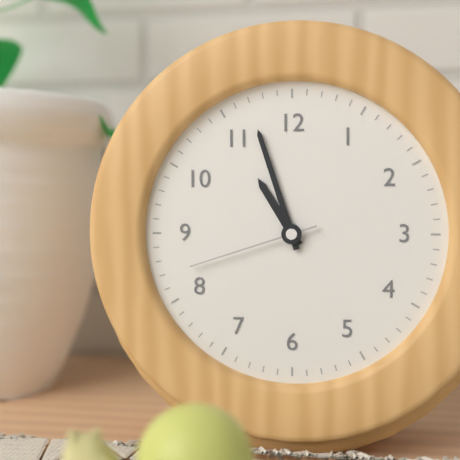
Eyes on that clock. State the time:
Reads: 10:57:42
